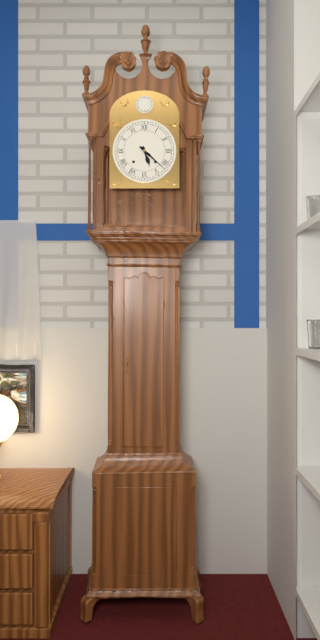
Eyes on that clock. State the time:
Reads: 5:22
